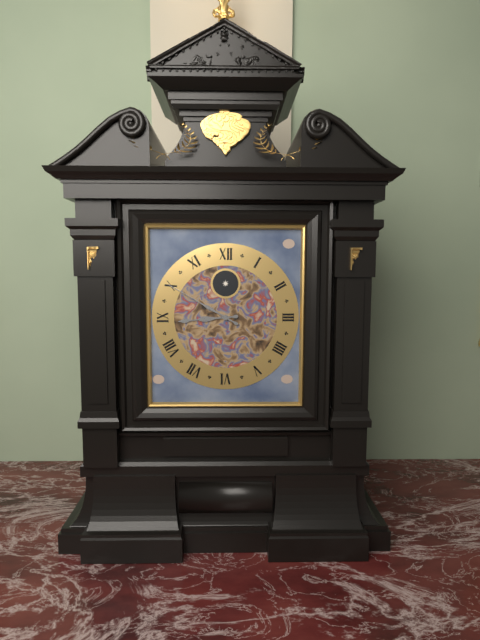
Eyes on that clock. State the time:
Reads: 8:50
